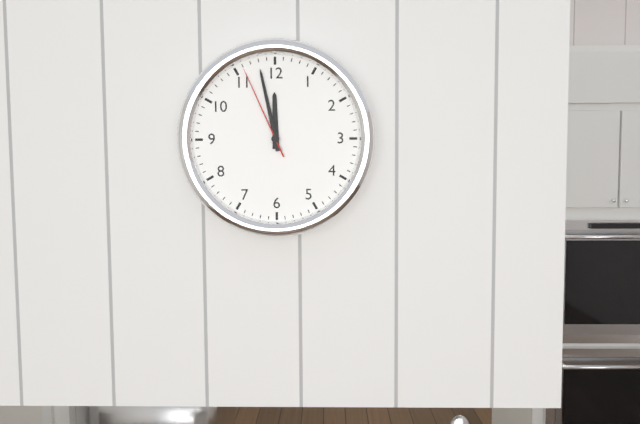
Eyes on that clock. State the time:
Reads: 11:58:56
